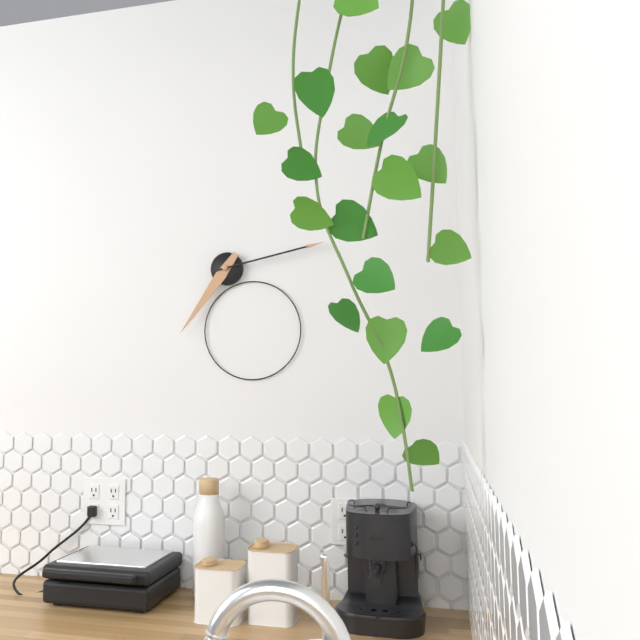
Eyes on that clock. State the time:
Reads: 7:13
